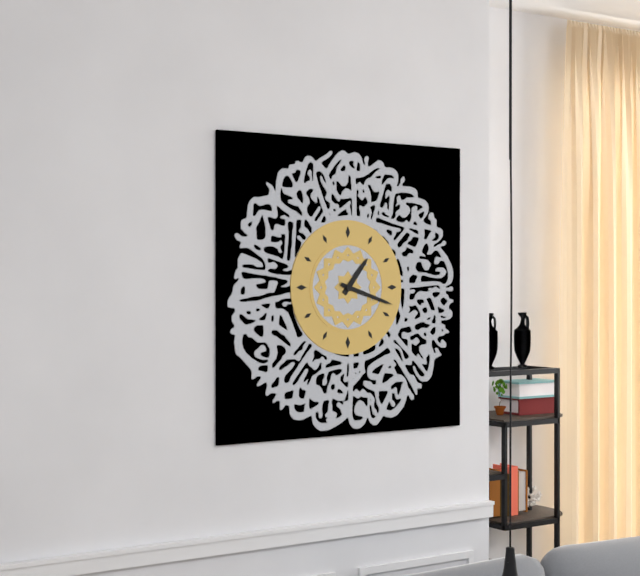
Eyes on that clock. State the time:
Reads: 1:18
